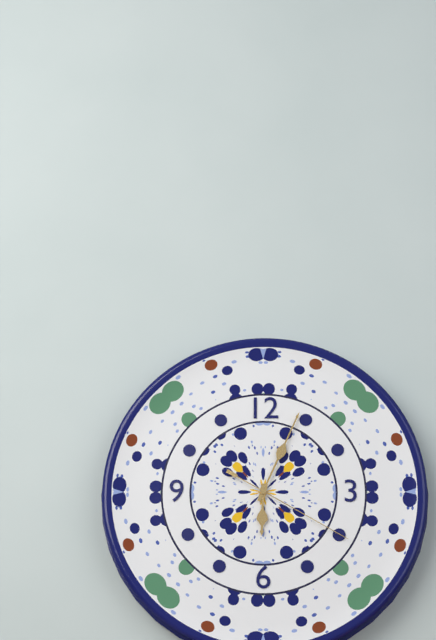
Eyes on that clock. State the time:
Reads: 6:04:20
